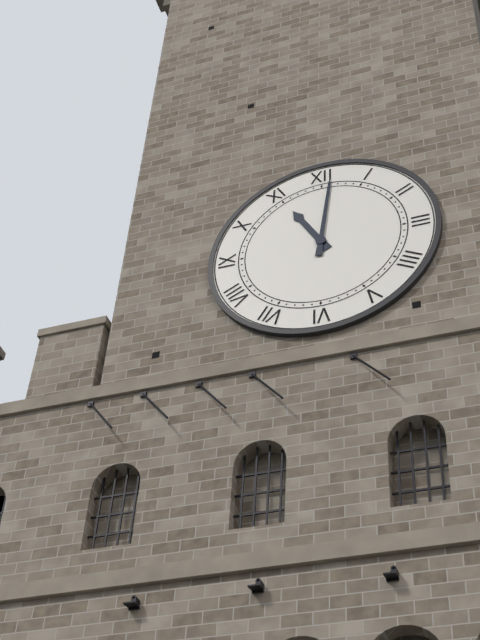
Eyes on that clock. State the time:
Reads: 11:01
